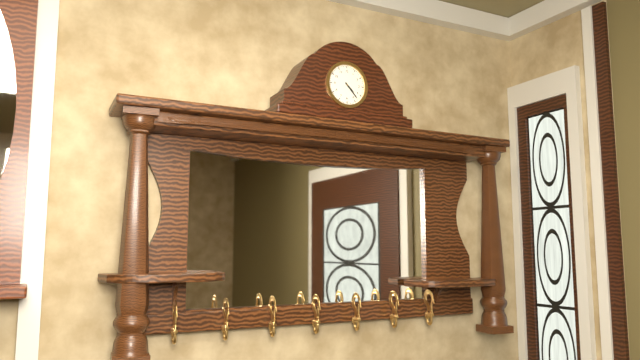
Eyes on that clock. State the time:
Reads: 4:23
